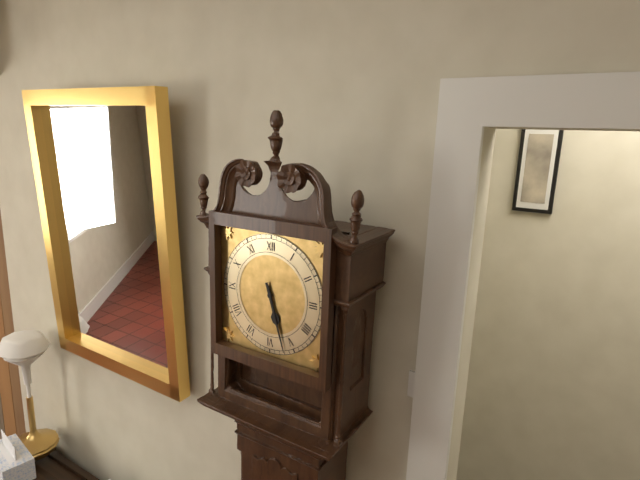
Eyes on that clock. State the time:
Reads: 5:27
